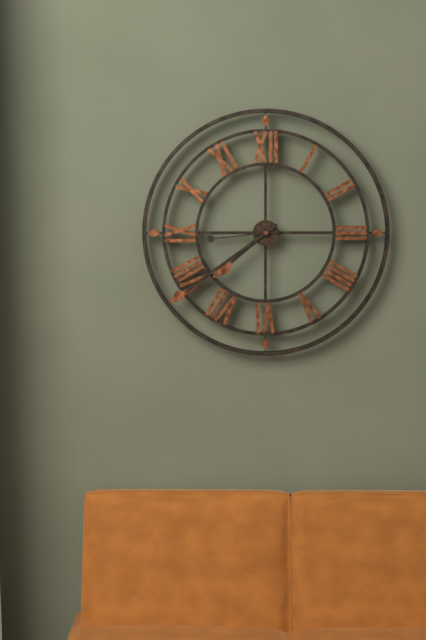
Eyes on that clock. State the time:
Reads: 7:39:44
